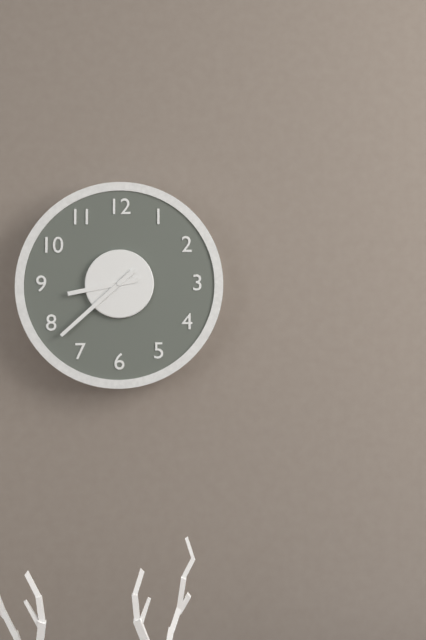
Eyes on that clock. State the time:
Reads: 8:38
